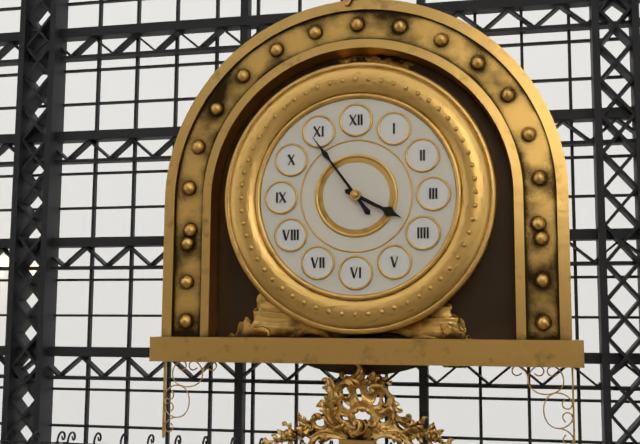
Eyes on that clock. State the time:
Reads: 3:54
